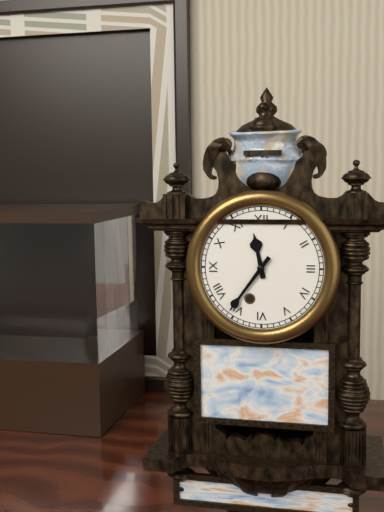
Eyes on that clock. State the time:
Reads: 11:36
